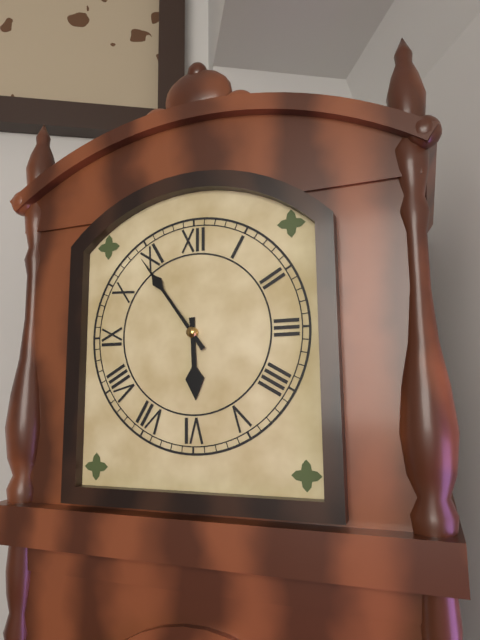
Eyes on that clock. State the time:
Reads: 5:54
